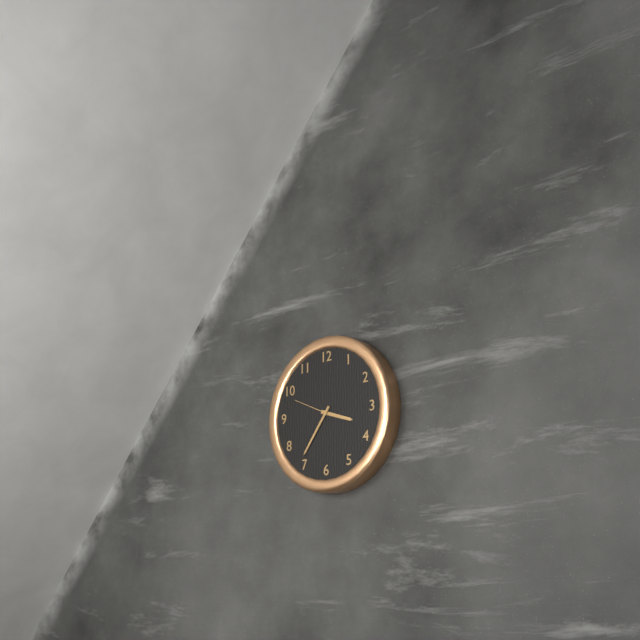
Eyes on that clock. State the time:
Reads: 3:36
